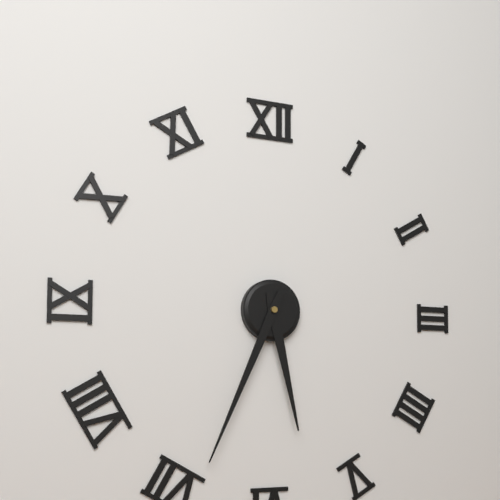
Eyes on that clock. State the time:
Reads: 5:34
